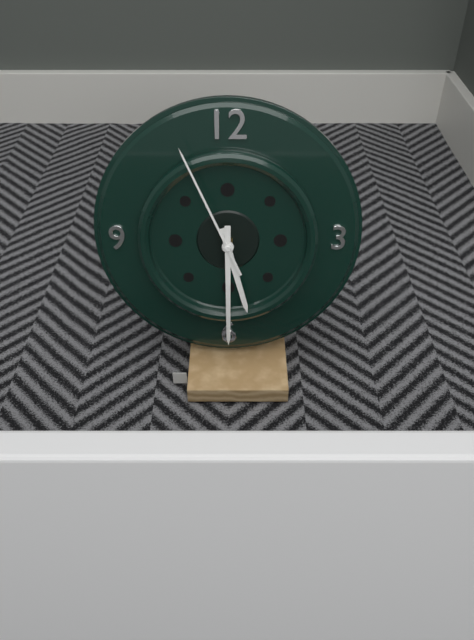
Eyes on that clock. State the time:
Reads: 5:30:56
